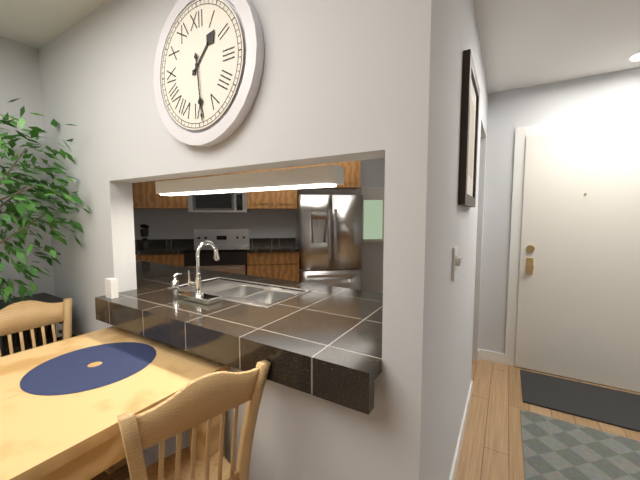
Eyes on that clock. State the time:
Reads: 1:29
